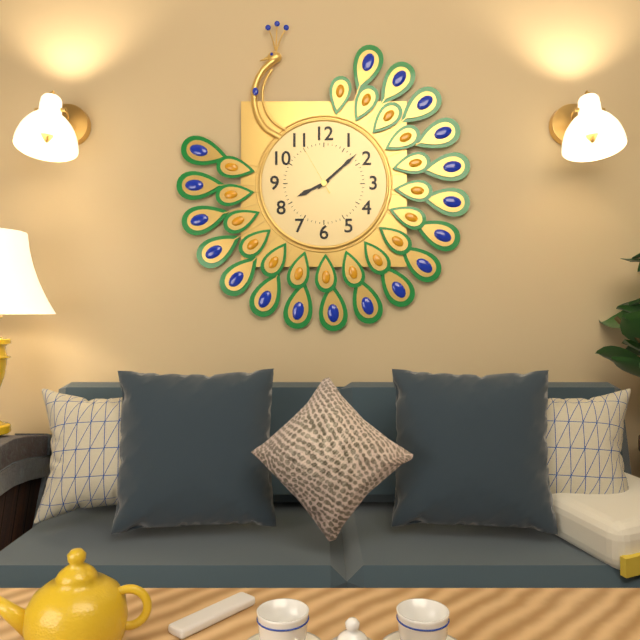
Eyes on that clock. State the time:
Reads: 8:08:55
